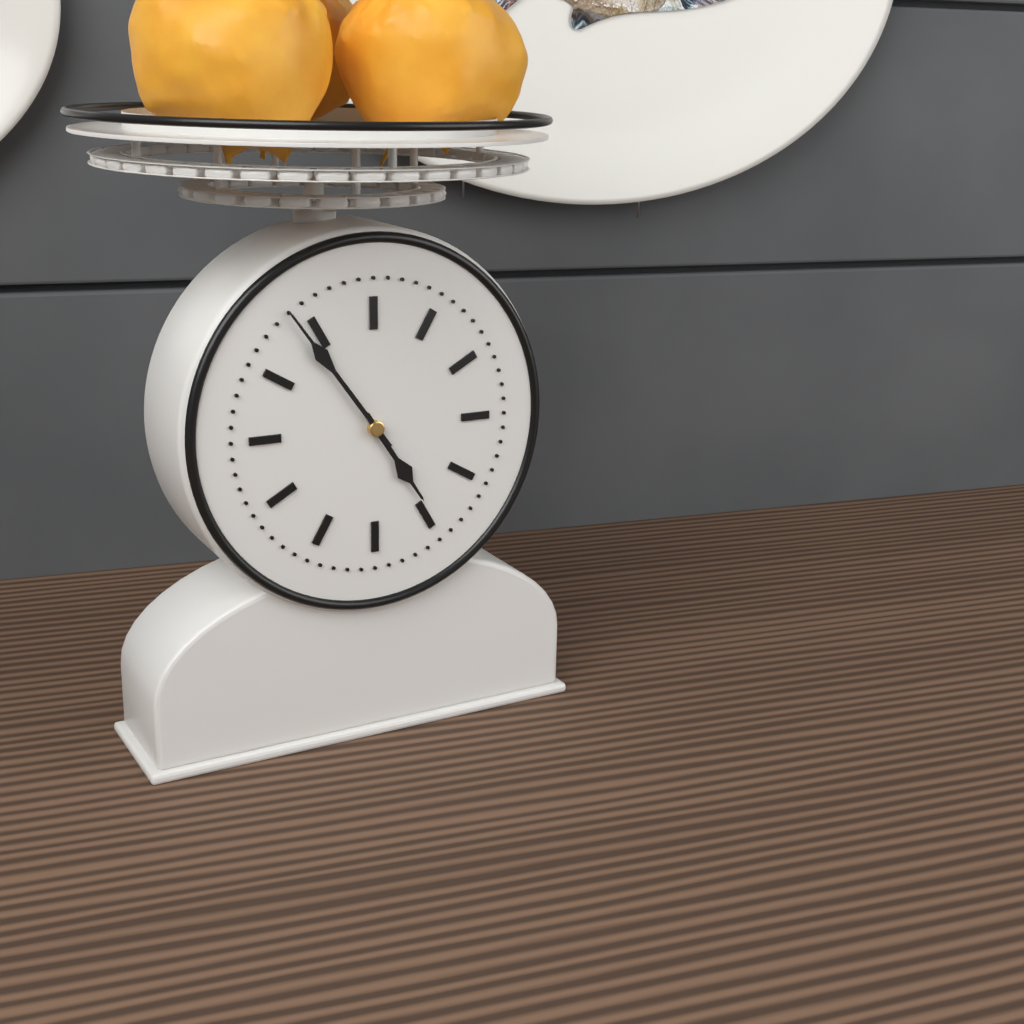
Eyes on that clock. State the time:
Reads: 4:54
